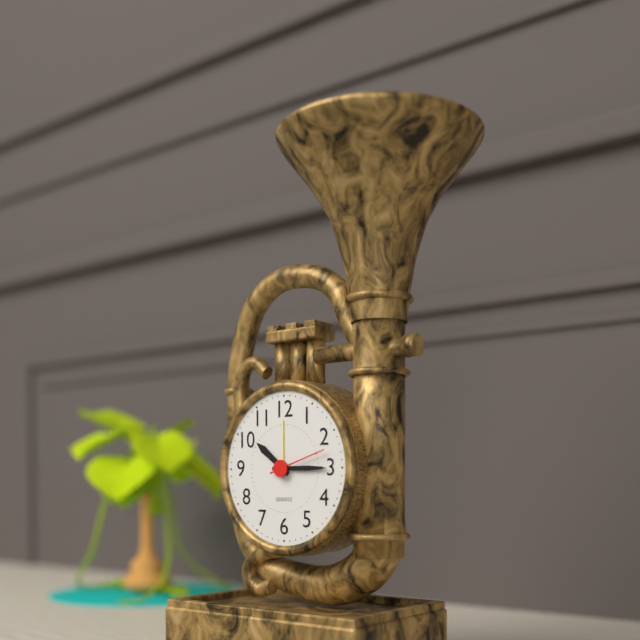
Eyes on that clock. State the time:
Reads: 10:15:12
